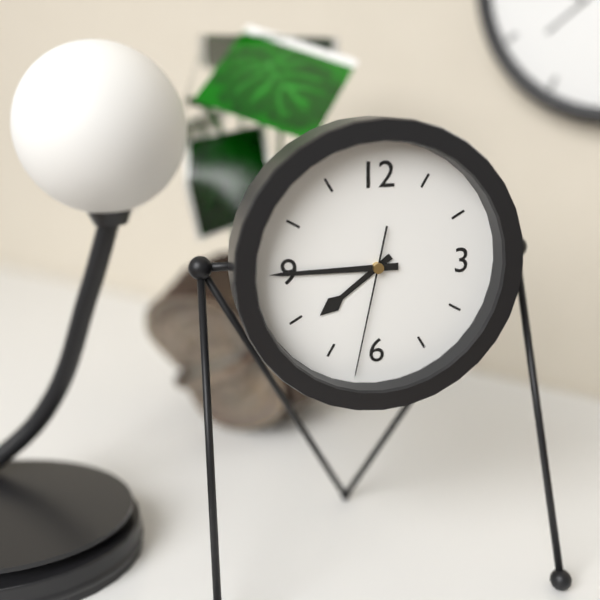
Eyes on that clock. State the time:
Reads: 7:45:32
